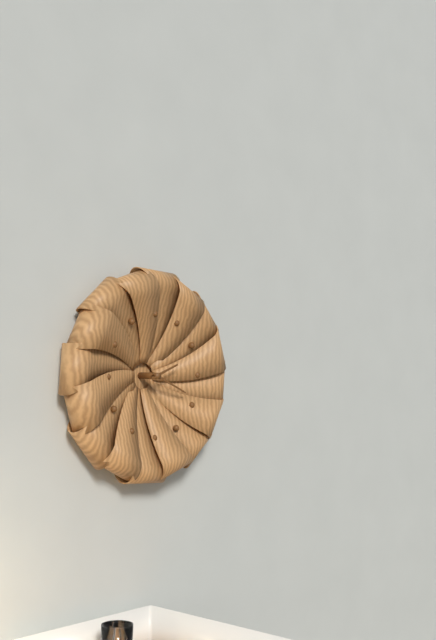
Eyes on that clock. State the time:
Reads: 2:19
